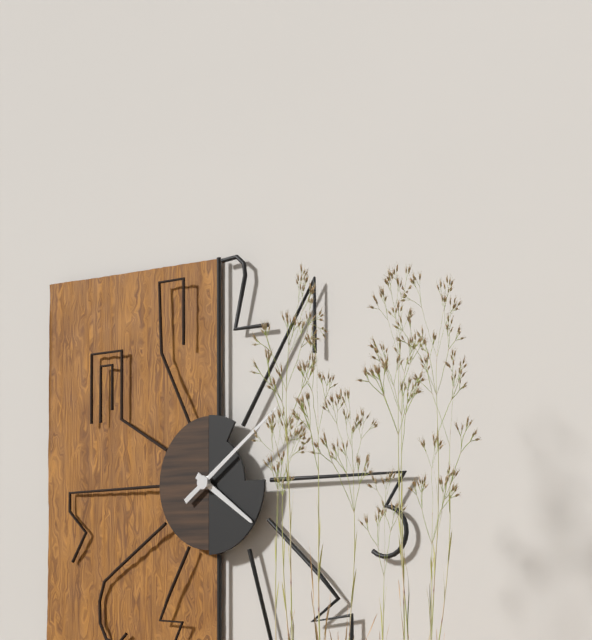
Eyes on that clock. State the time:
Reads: 4:09
